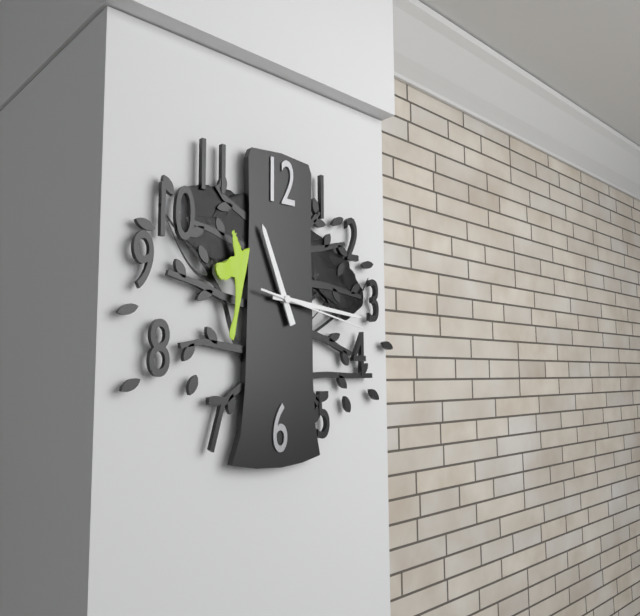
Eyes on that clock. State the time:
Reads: 11:16:17
